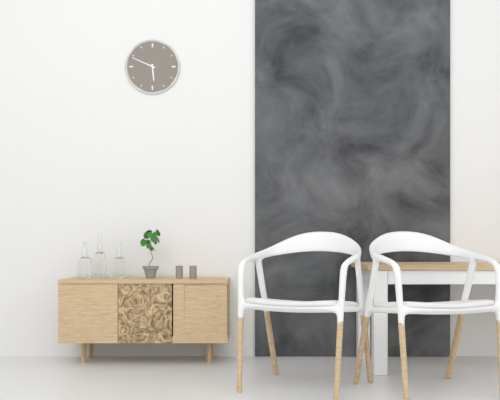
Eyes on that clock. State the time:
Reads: 5:49
